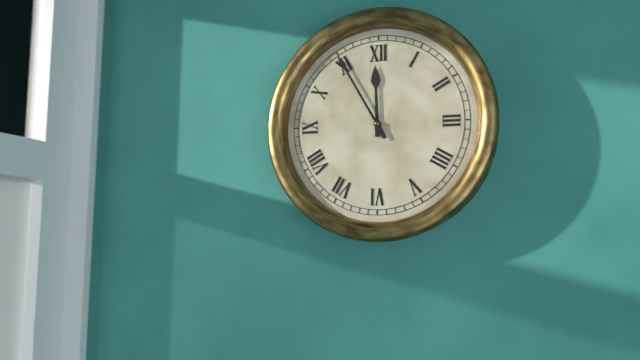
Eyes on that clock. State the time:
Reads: 11:55
